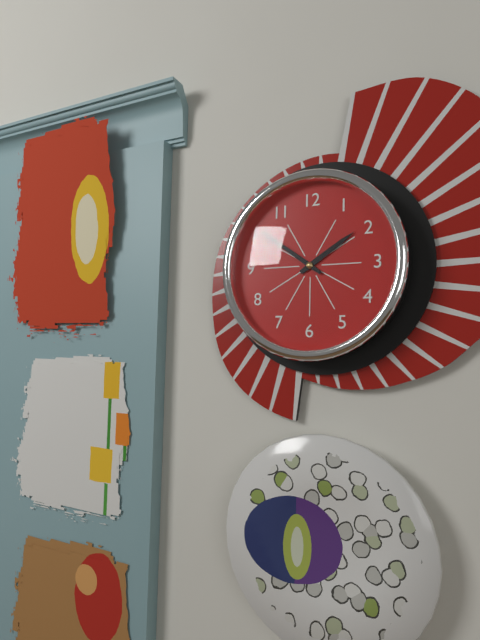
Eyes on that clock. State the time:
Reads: 1:51
